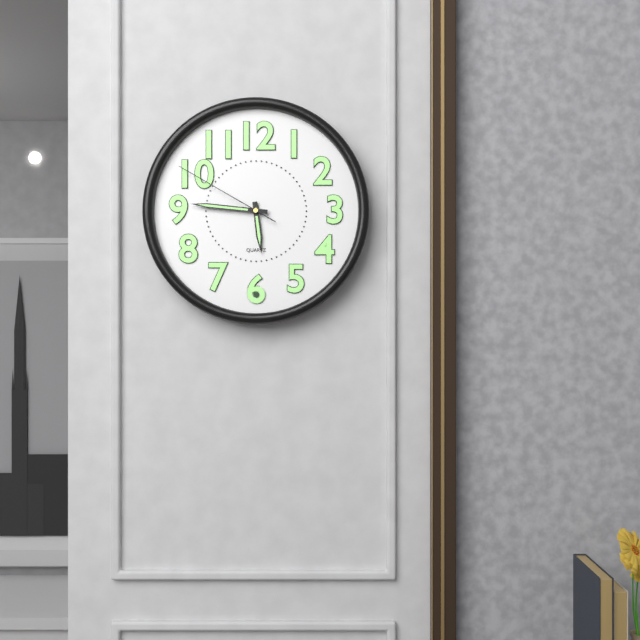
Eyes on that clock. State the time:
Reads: 5:46:50
